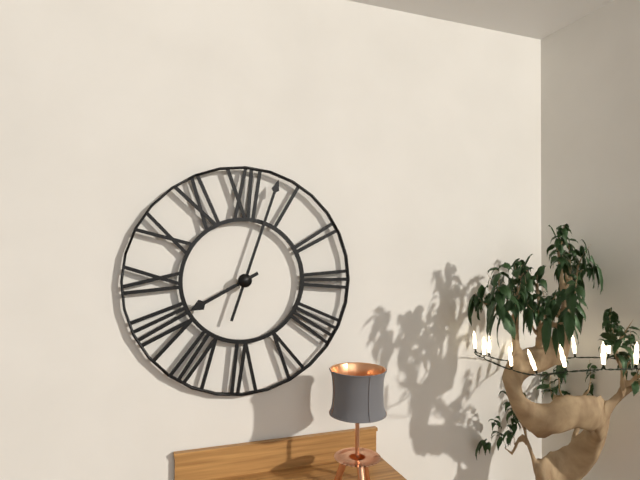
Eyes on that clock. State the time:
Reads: 8:03
